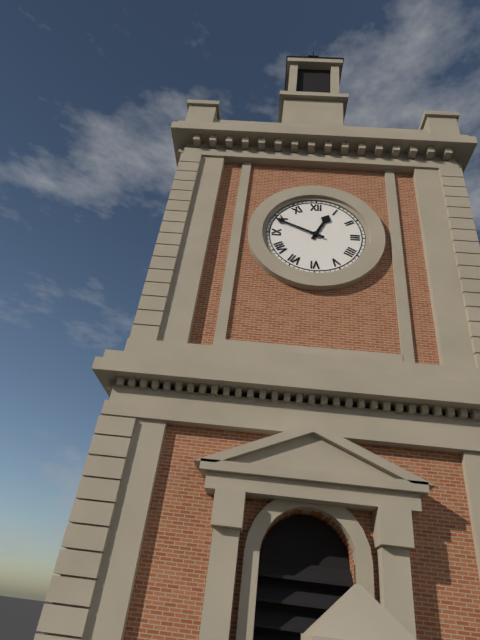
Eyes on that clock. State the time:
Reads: 12:49
